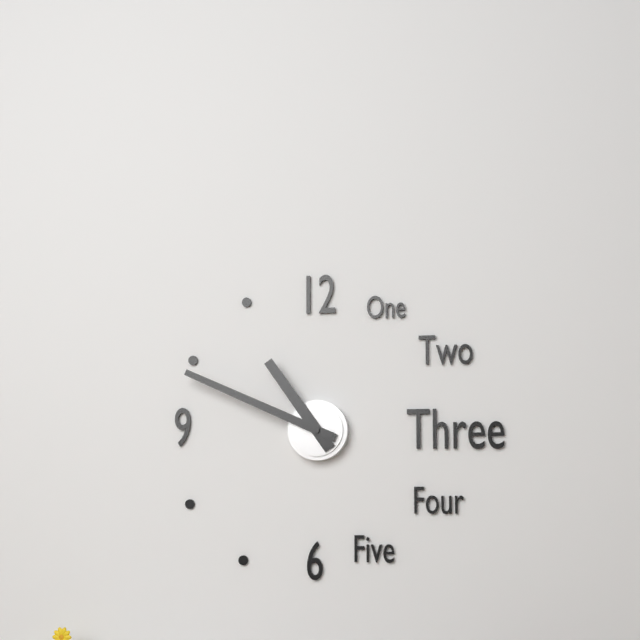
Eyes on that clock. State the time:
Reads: 10:49
